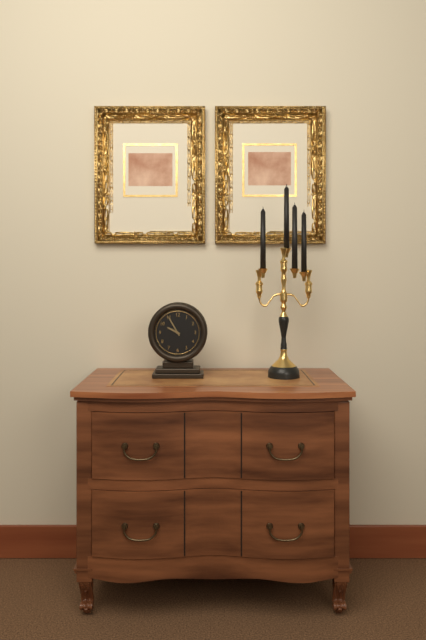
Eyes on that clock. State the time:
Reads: 9:55
